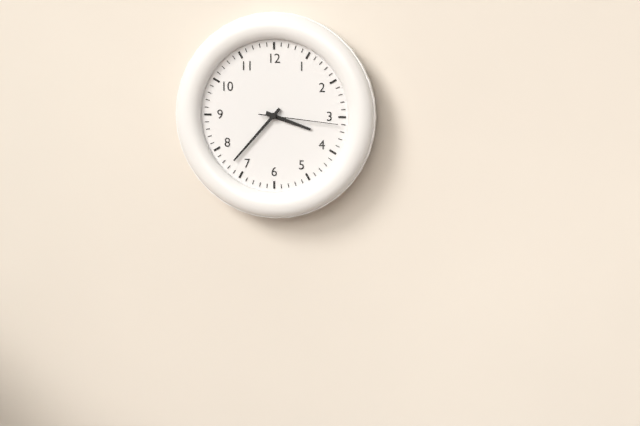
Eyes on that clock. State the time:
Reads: 3:37:16
